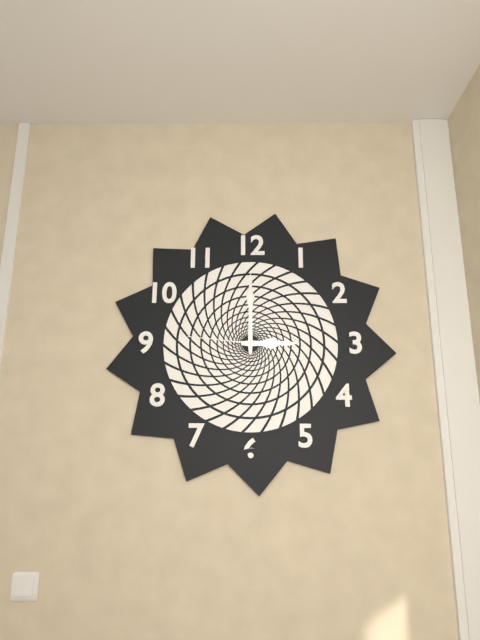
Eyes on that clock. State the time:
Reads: 3:00:46
